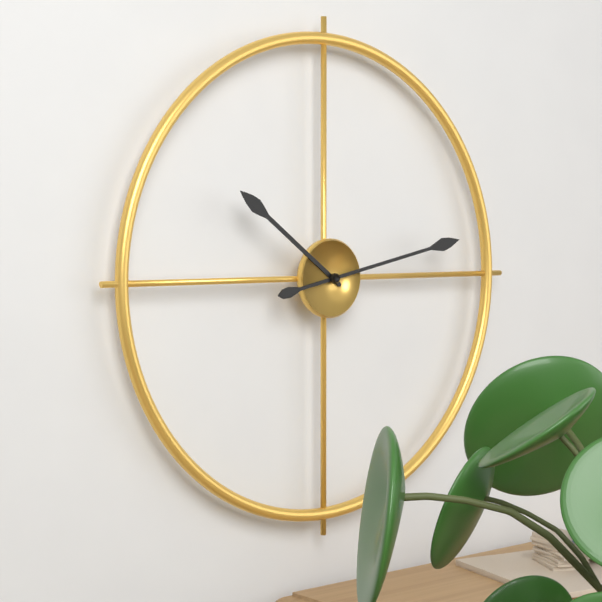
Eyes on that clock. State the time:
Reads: 10:13
